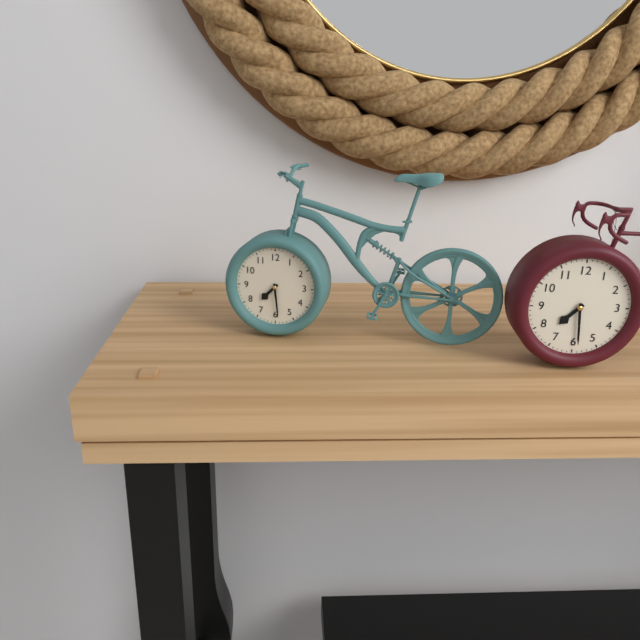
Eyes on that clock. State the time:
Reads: 7:29
